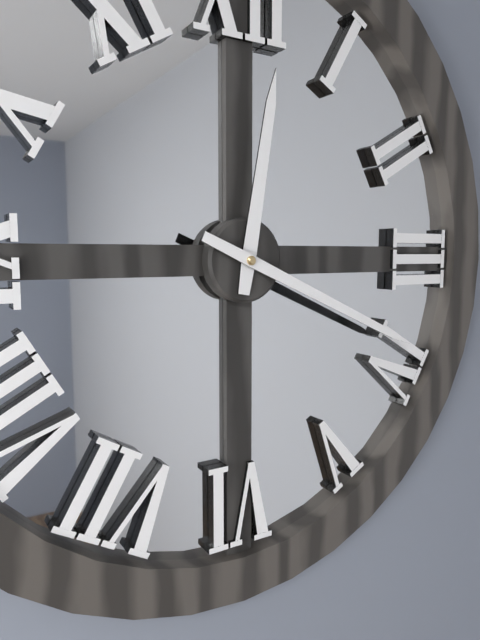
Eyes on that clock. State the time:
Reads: 12:19
